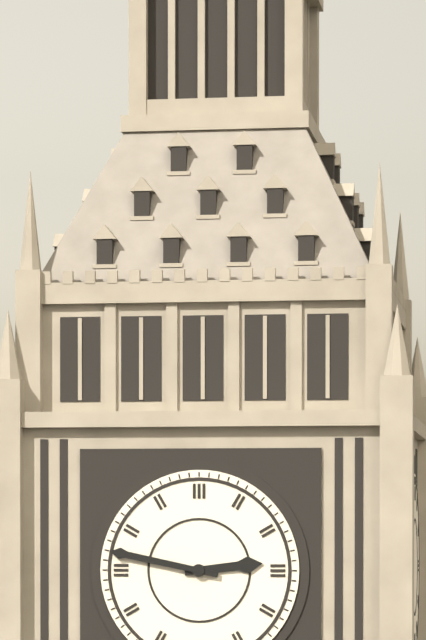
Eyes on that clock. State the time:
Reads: 2:47
